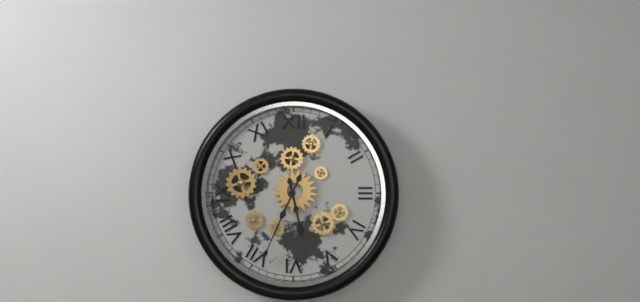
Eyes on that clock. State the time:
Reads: 5:34
